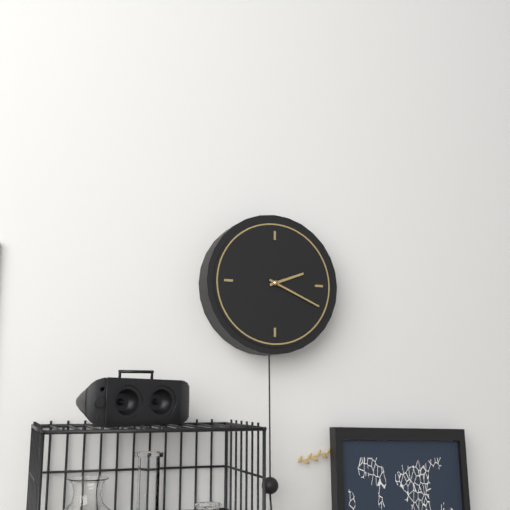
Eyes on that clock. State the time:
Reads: 2:19
